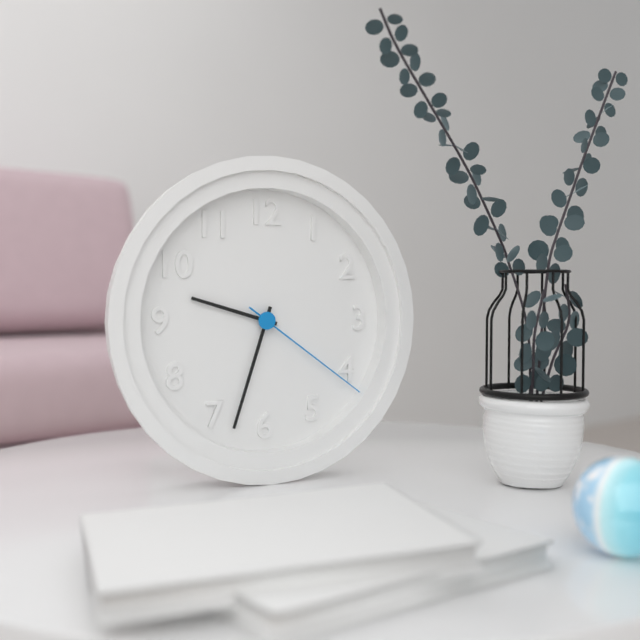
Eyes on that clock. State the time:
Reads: 9:33:21
